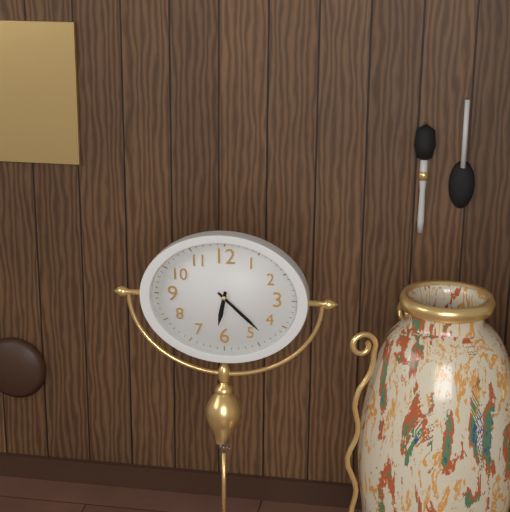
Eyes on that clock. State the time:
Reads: 6:22
